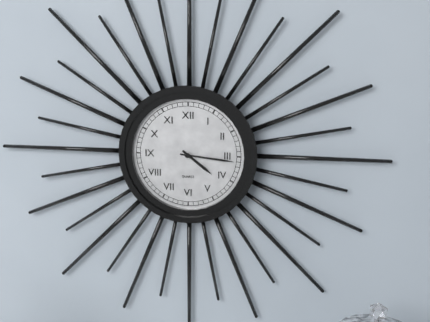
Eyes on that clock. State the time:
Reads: 4:16
